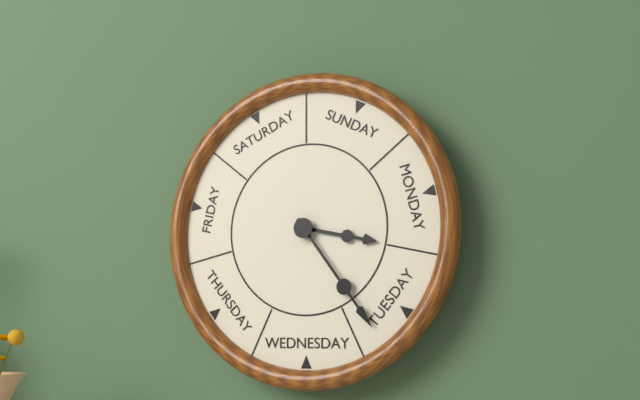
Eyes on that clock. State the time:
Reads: 3:24
